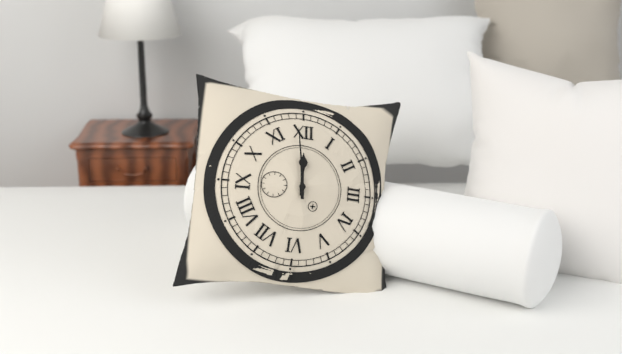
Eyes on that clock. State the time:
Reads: 11:59
